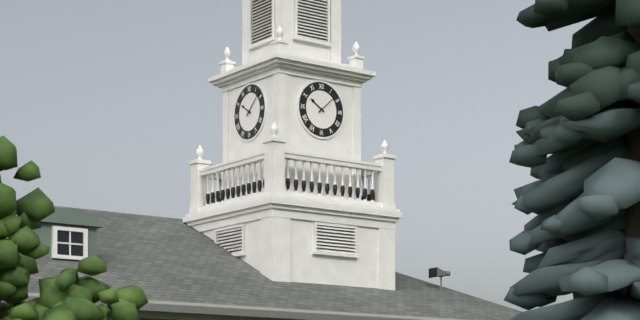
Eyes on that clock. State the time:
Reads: 10:08
